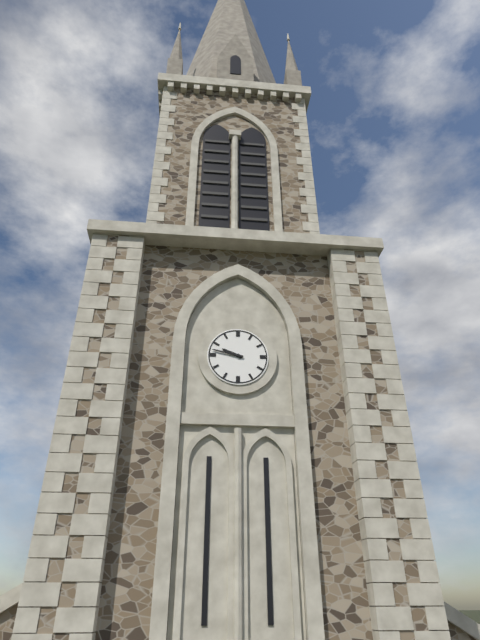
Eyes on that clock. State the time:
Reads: 9:47
